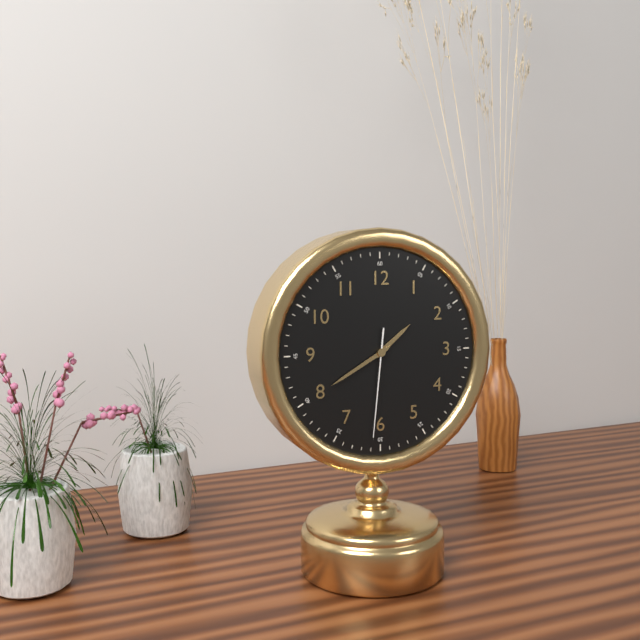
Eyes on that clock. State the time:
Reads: 1:40:31
